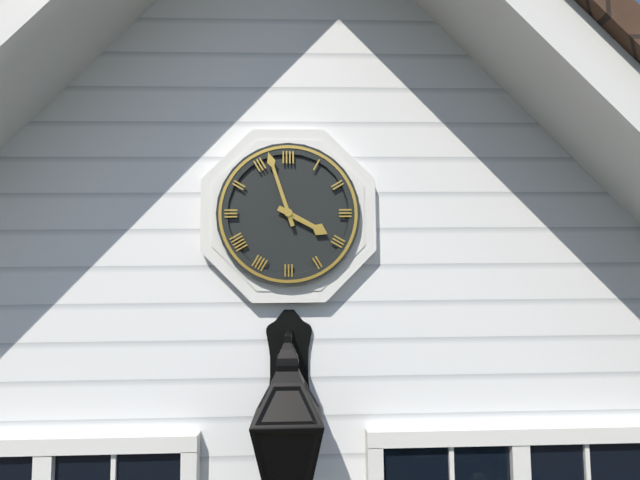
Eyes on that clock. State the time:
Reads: 3:57
